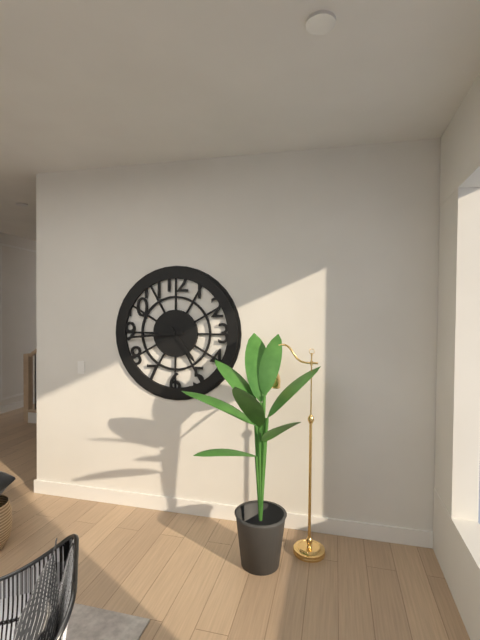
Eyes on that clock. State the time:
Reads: 4:44
